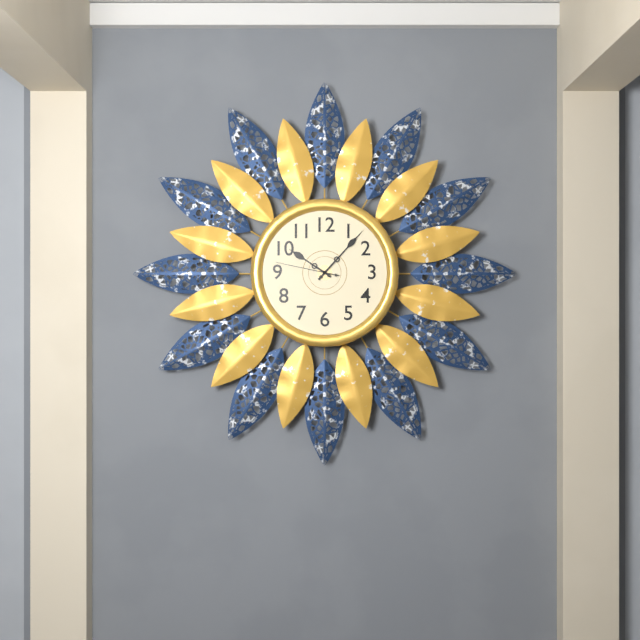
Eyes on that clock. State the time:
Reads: 10:07:47
